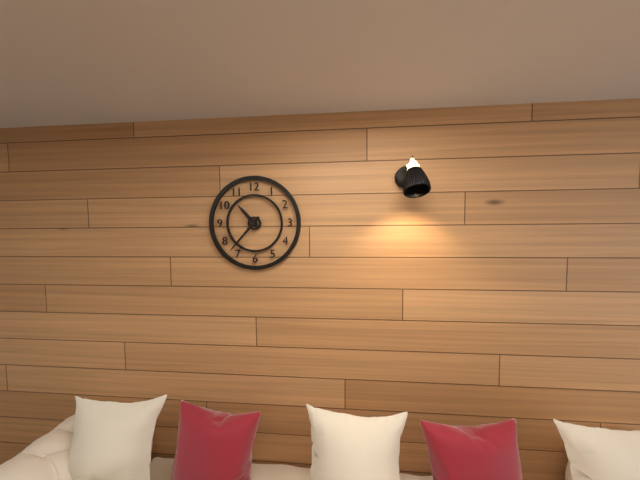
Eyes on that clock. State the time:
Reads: 10:37
